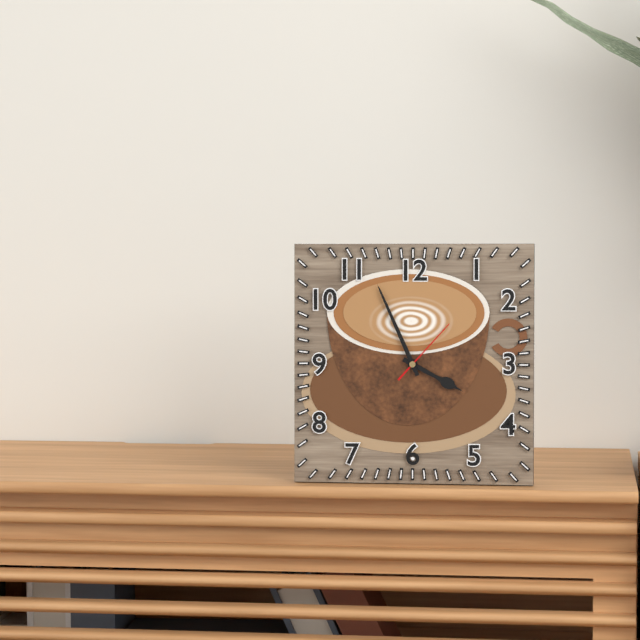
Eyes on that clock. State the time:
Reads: 3:56:07
